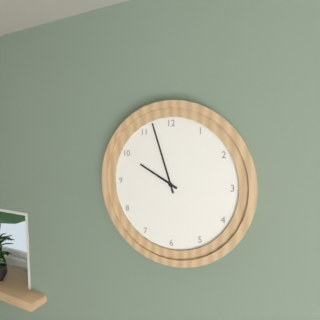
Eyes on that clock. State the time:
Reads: 9:57
